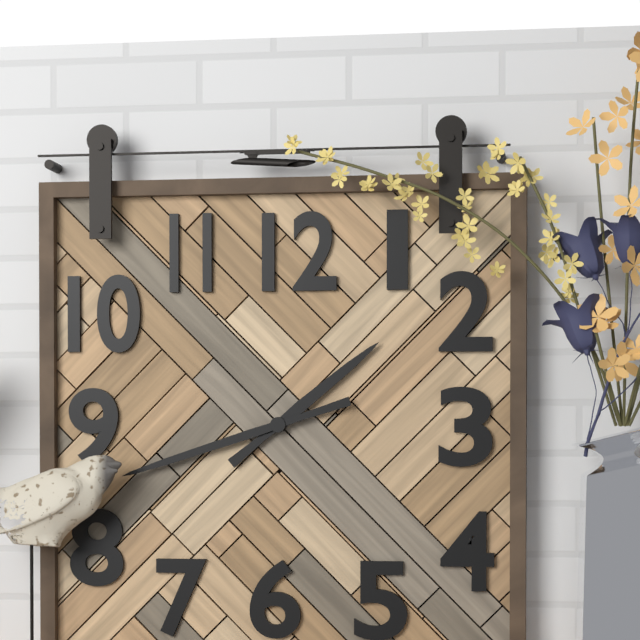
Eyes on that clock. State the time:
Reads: 1:42
